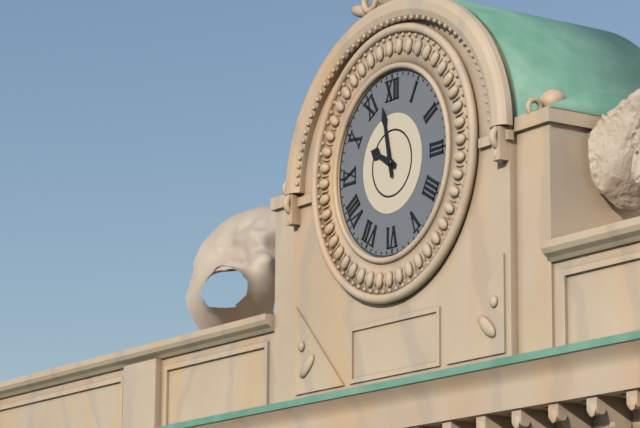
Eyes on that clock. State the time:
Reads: 9:58
